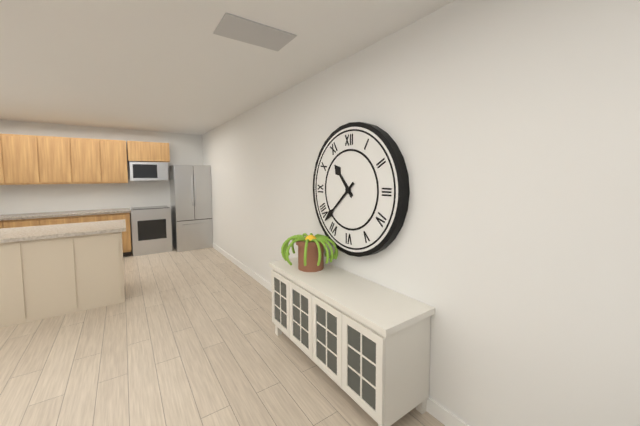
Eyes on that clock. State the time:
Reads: 10:38
